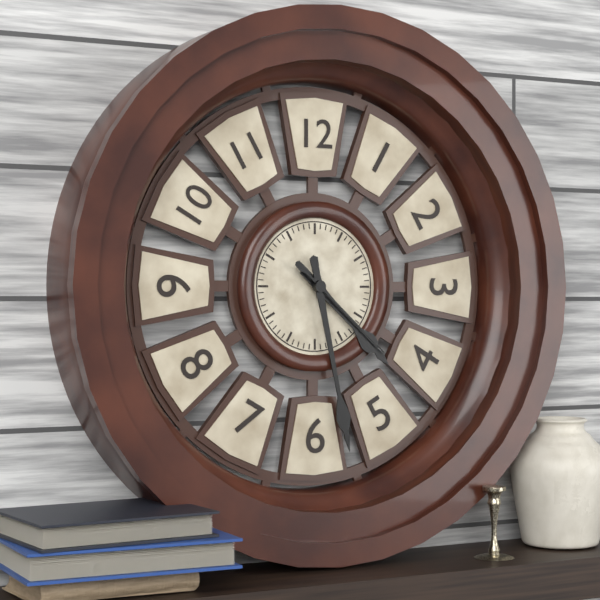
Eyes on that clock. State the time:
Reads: 4:28:22
